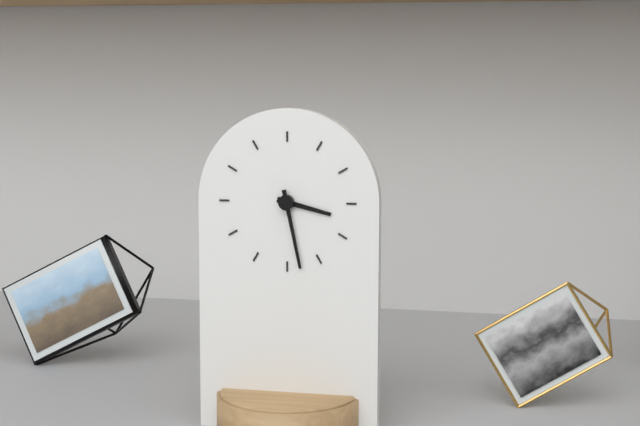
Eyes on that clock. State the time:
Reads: 3:28
